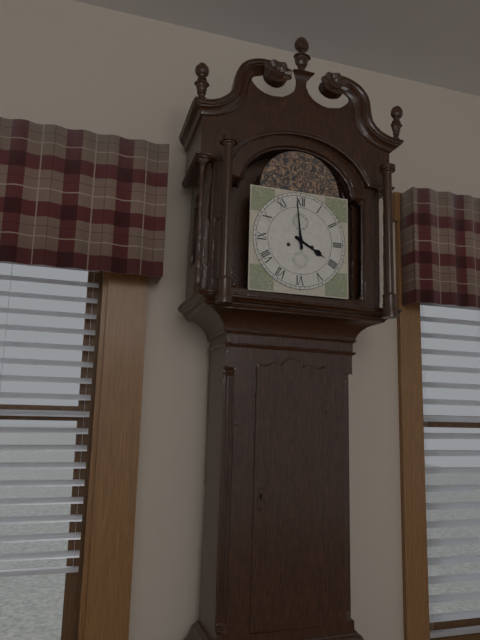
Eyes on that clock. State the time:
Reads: 3:59
